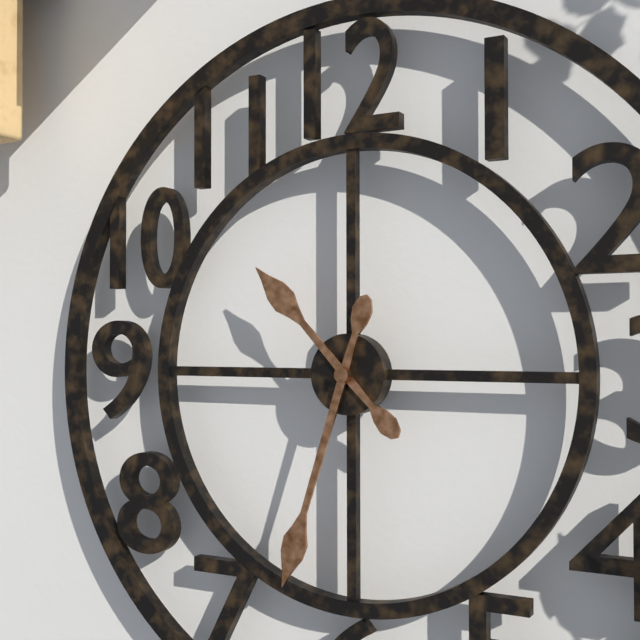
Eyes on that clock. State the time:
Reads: 10:33
